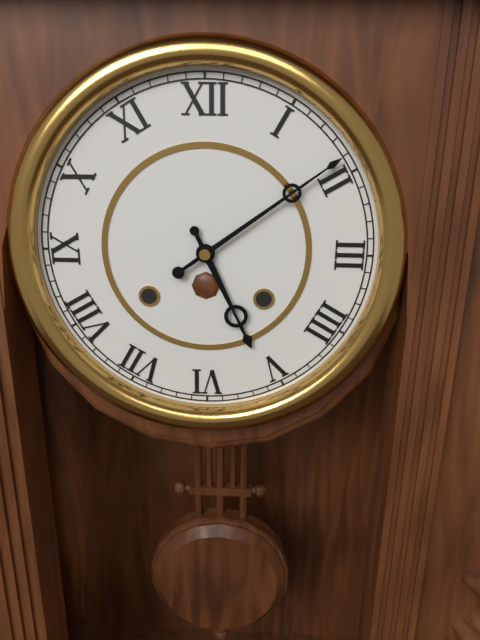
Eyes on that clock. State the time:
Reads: 5:09
